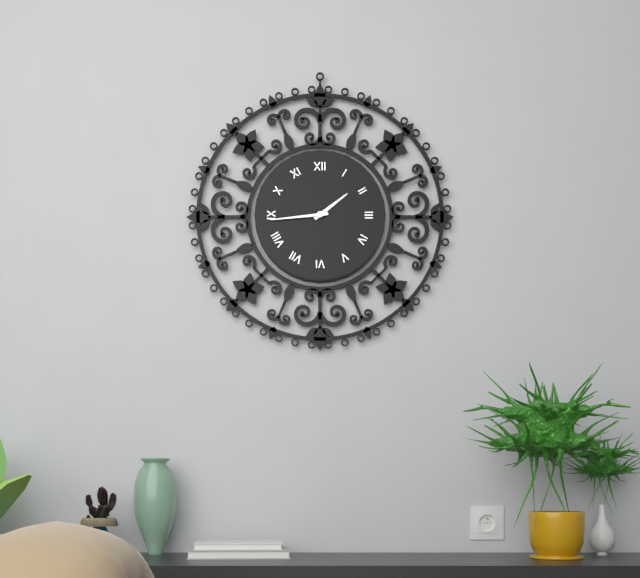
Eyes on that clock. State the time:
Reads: 1:44
